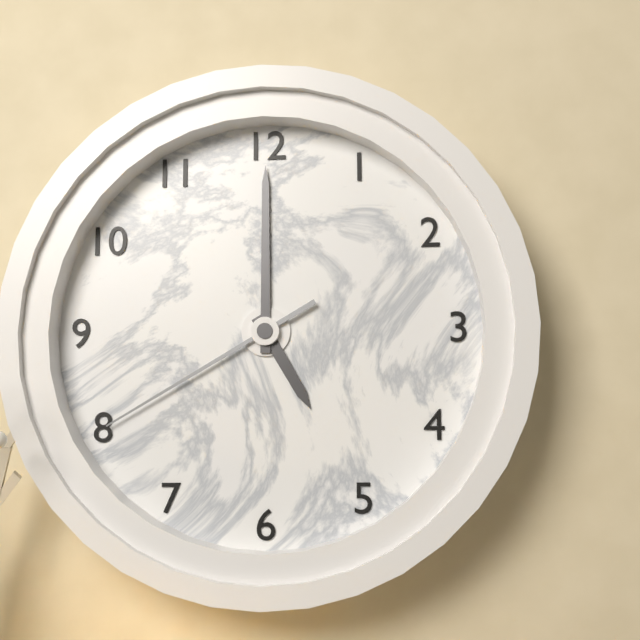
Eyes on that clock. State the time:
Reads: 5:00:40
